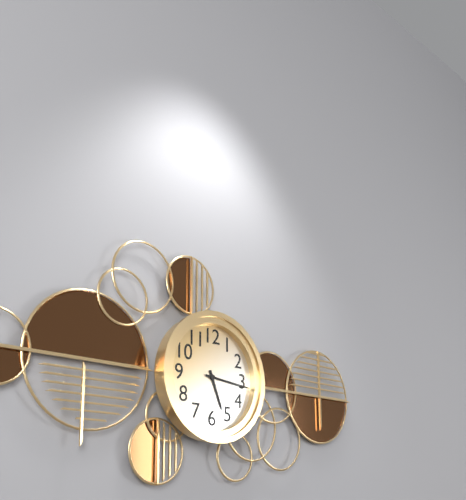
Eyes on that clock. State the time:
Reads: 5:16
